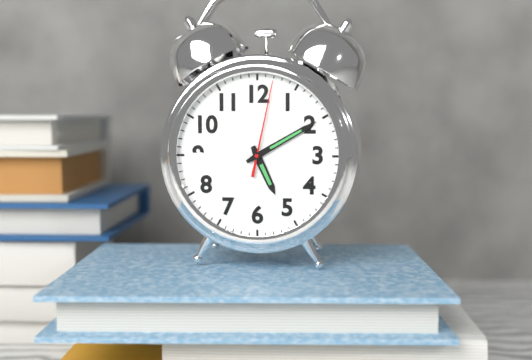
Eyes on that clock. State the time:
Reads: 5:10:02
